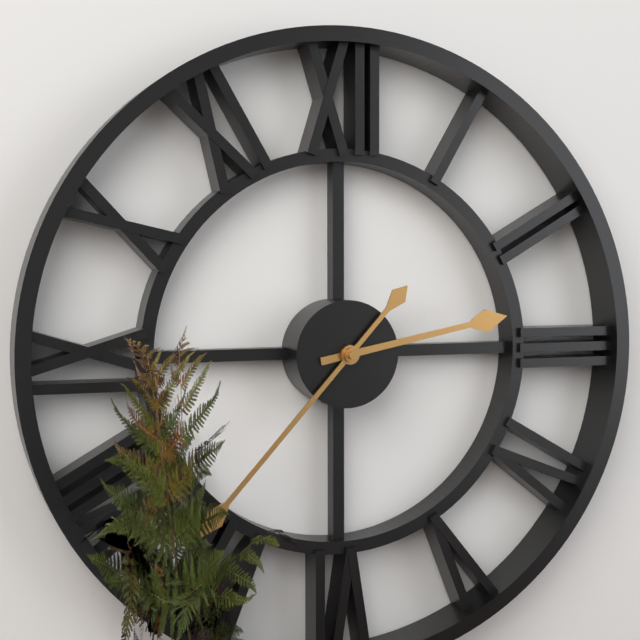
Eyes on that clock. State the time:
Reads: 2:37
